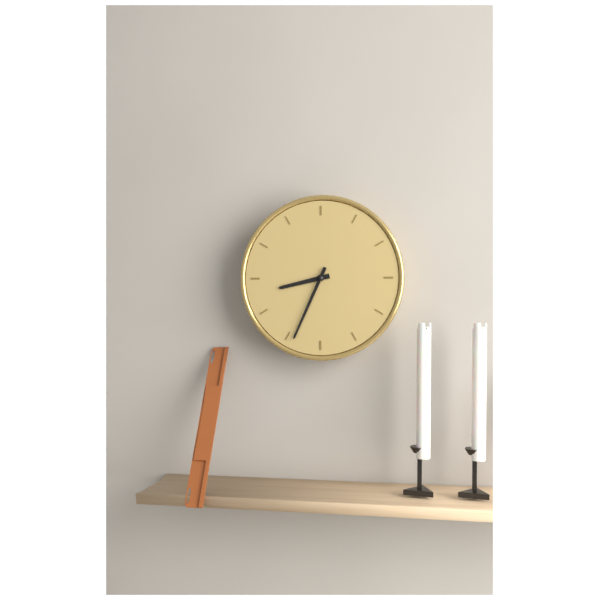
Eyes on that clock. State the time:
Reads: 8:34
